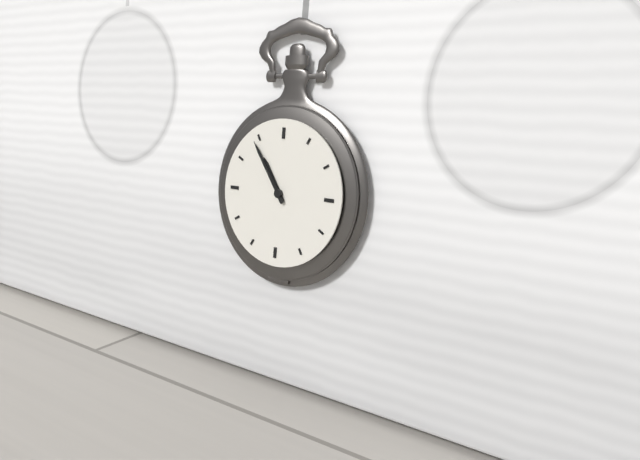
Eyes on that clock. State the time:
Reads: 10:54
